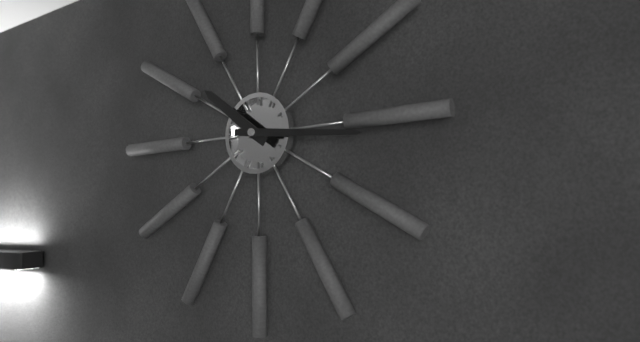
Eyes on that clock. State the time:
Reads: 10:16
